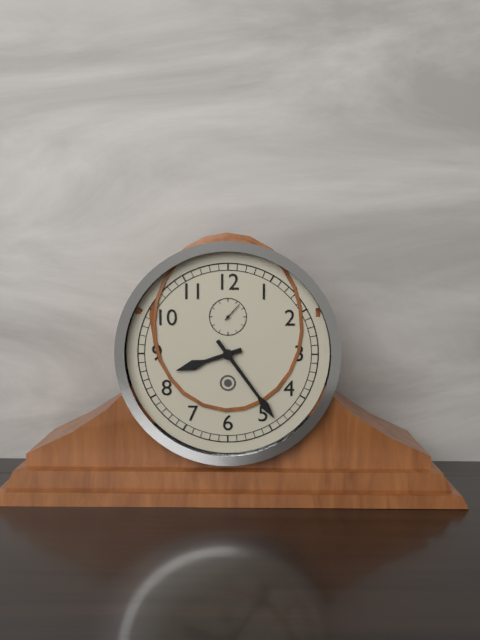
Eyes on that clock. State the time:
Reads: 8:24
